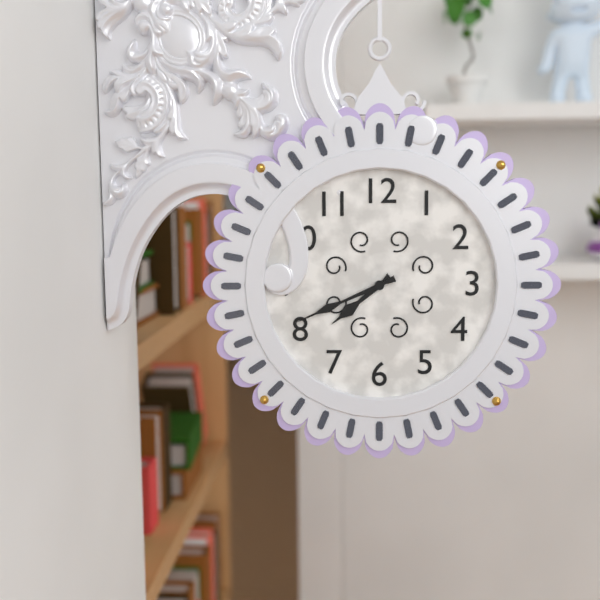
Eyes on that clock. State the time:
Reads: 7:41
